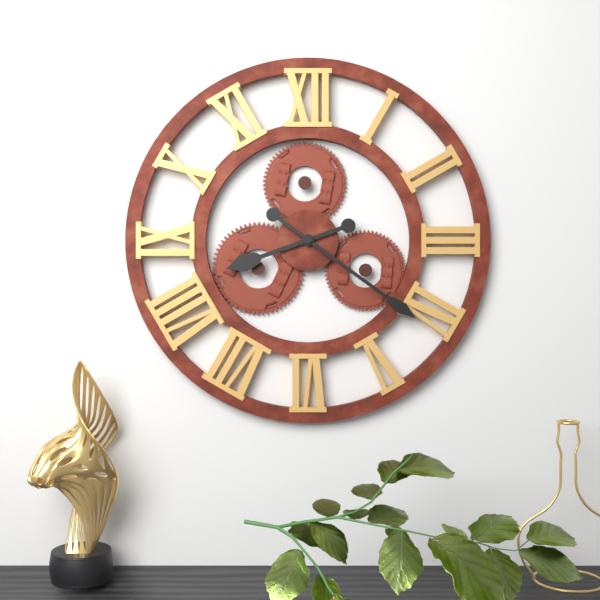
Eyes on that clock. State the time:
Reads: 8:21
